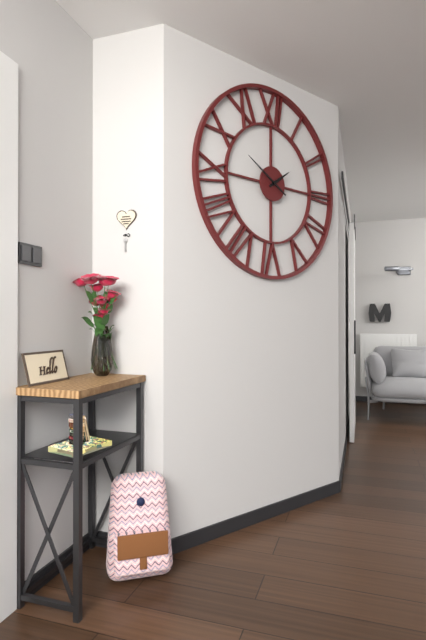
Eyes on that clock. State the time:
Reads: 1:50
